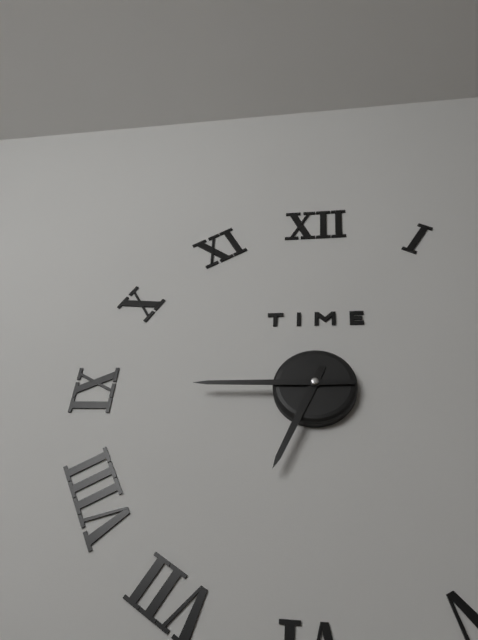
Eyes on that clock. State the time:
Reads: 6:45
